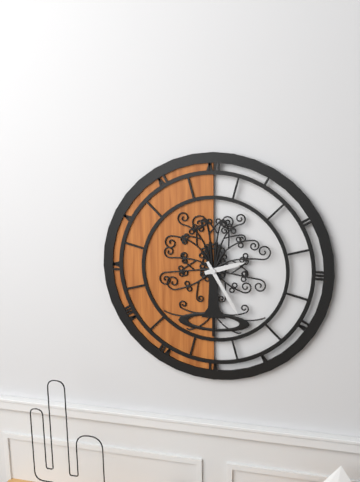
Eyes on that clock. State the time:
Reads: 2:25
